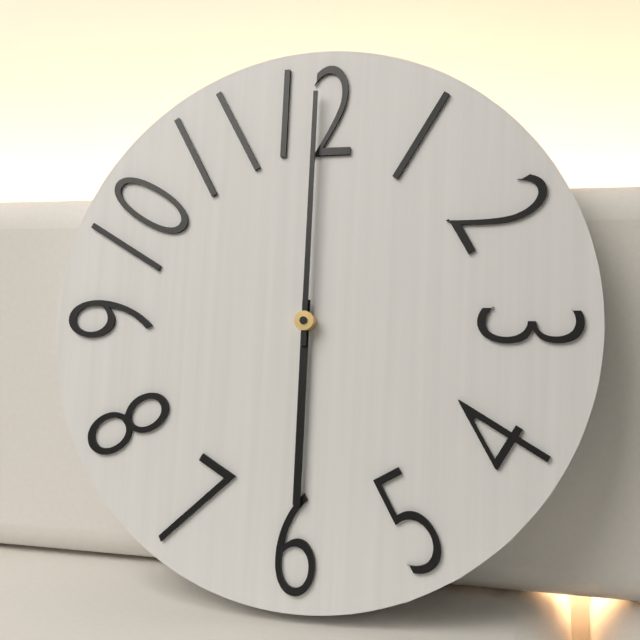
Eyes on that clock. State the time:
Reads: 6:00
